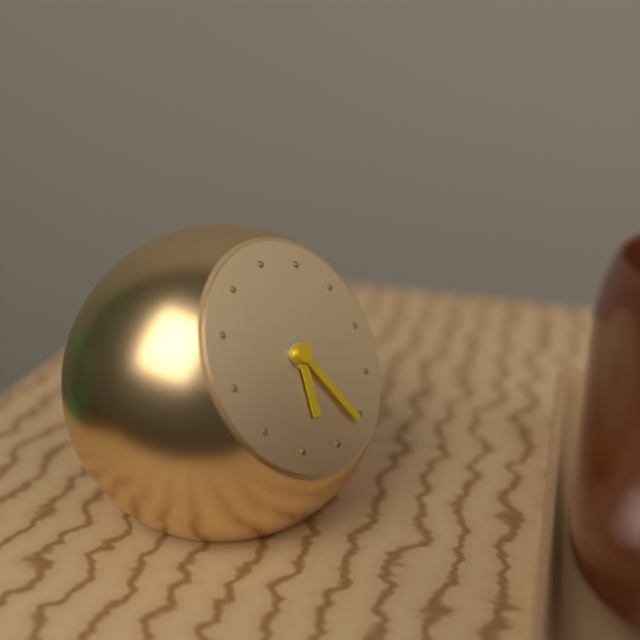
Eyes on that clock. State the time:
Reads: 6:26
